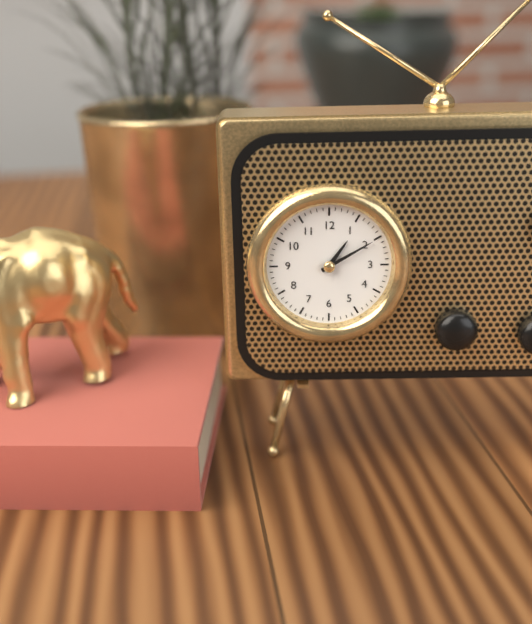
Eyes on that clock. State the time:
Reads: 1:10
